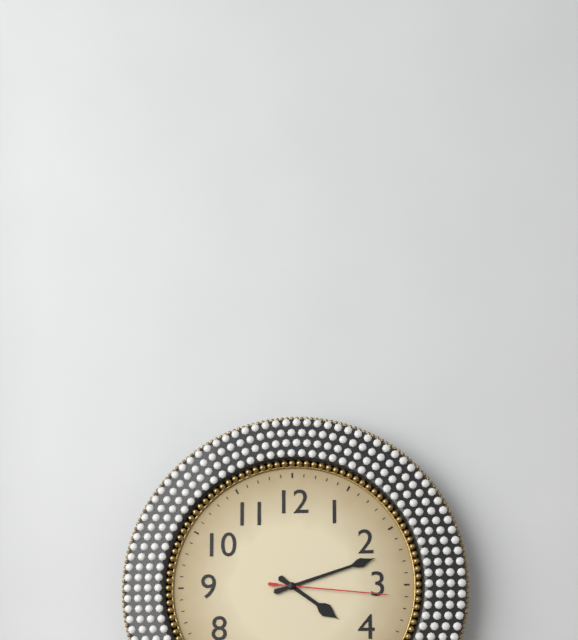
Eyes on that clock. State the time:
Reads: 4:12:16
